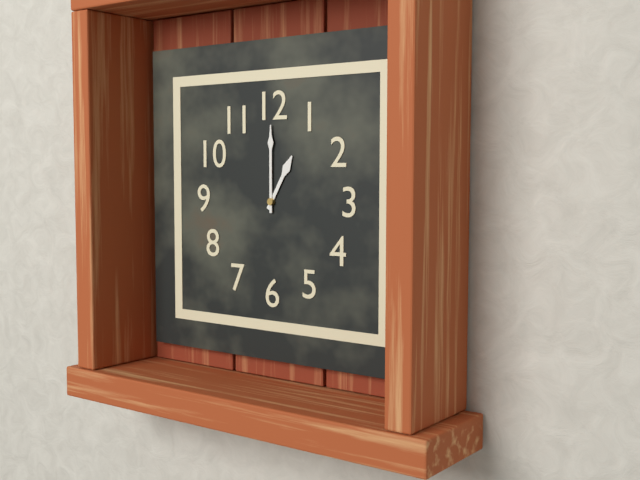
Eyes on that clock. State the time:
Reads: 1:00
